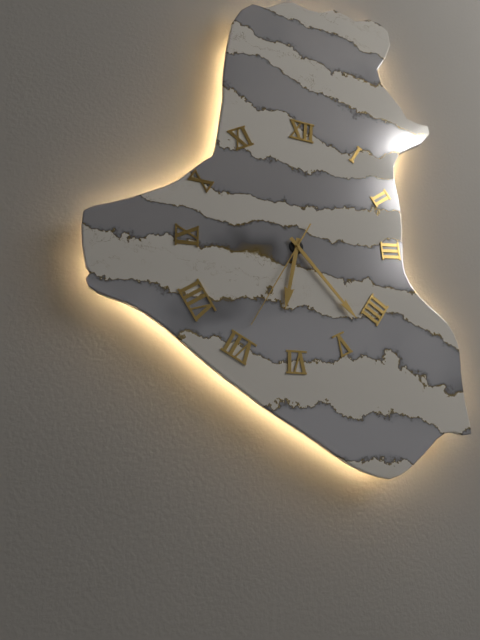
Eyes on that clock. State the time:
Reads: 6:23:35
